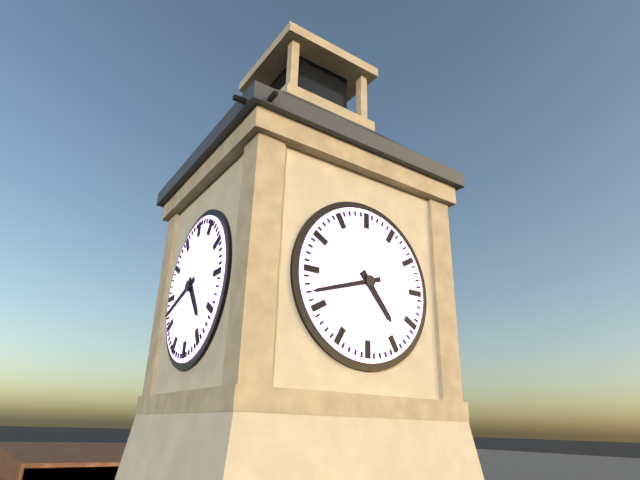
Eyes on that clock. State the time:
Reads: 4:42
